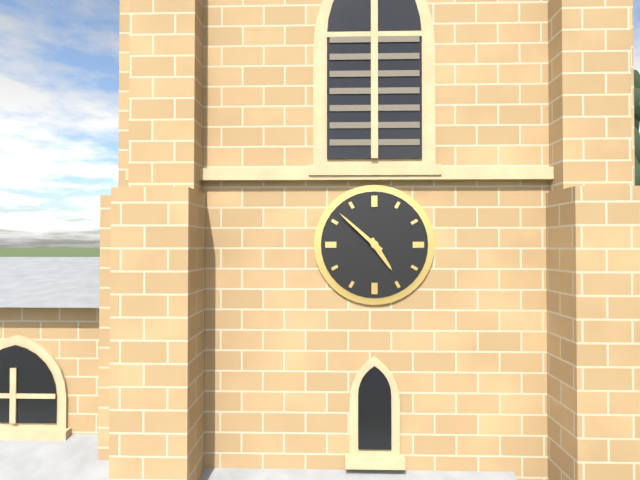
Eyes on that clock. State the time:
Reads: 4:52
